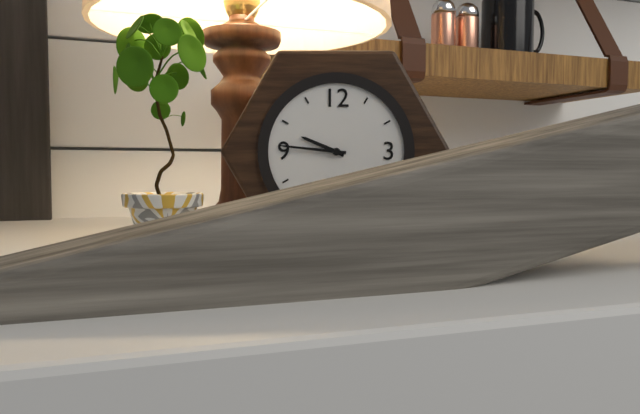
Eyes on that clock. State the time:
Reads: 9:46
